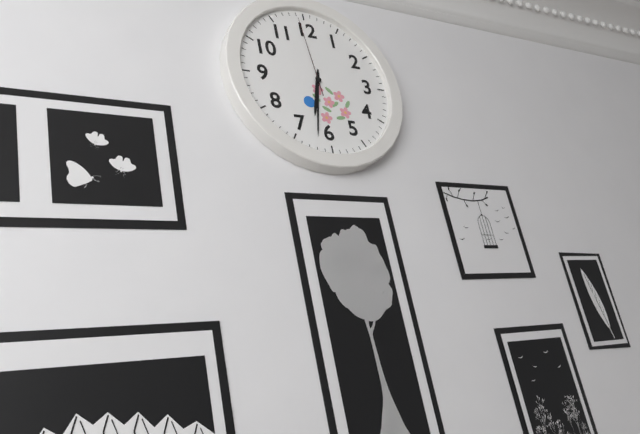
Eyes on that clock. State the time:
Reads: 6:32:59
